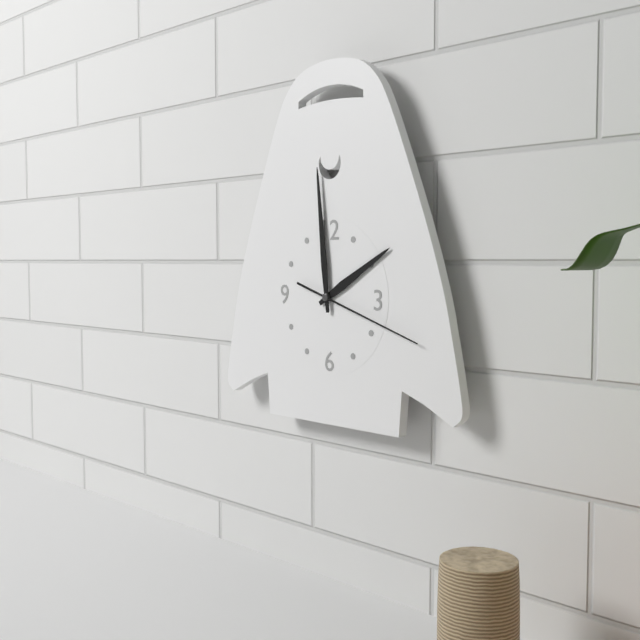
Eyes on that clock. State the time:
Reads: 1:59:18
